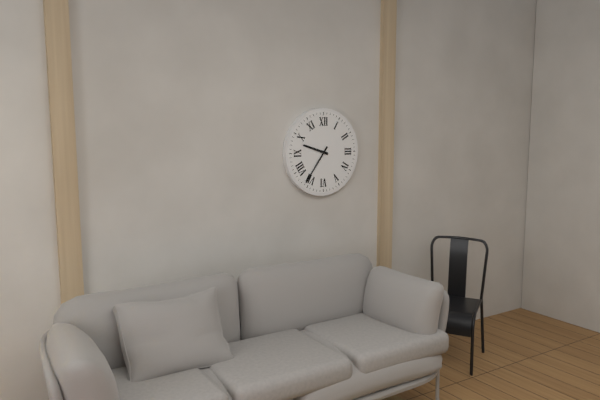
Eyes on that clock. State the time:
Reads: 9:36
